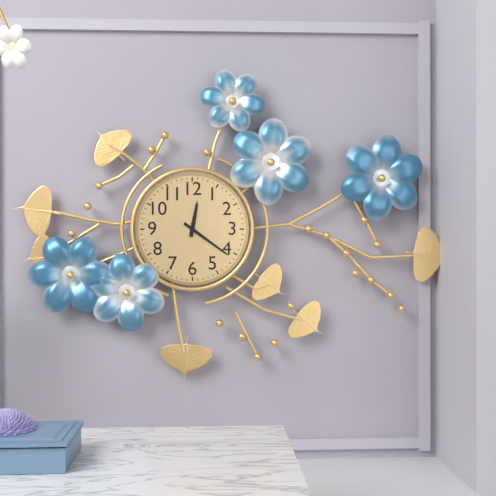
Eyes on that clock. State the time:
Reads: 12:21
